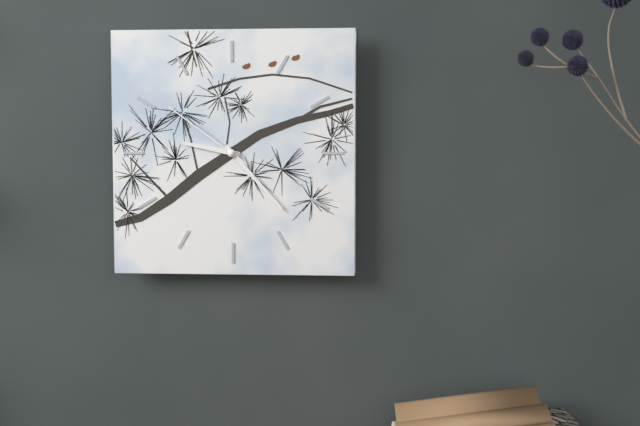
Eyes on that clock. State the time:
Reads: 9:23:51
